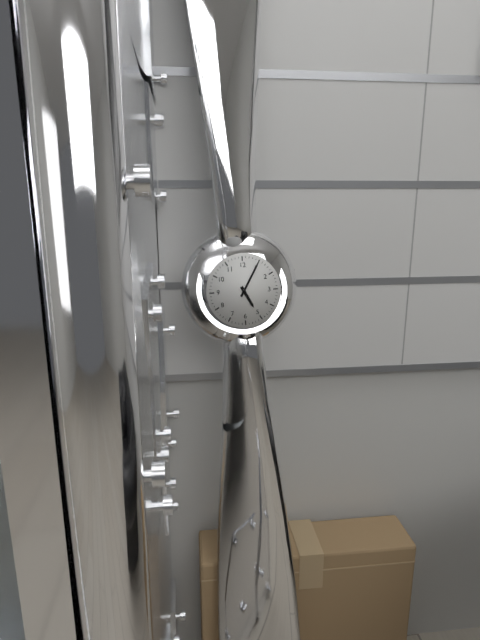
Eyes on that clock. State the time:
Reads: 5:05
